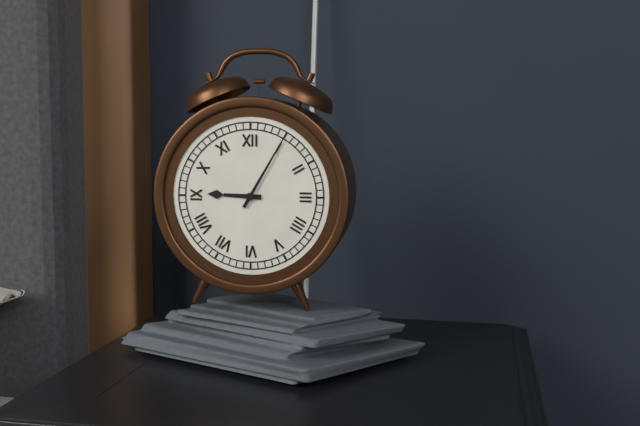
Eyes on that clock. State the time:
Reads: 9:05
